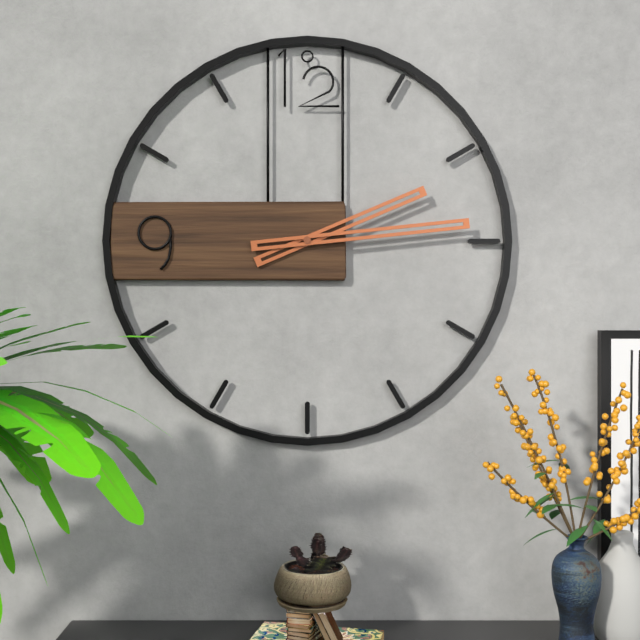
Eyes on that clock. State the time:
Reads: 2:14
